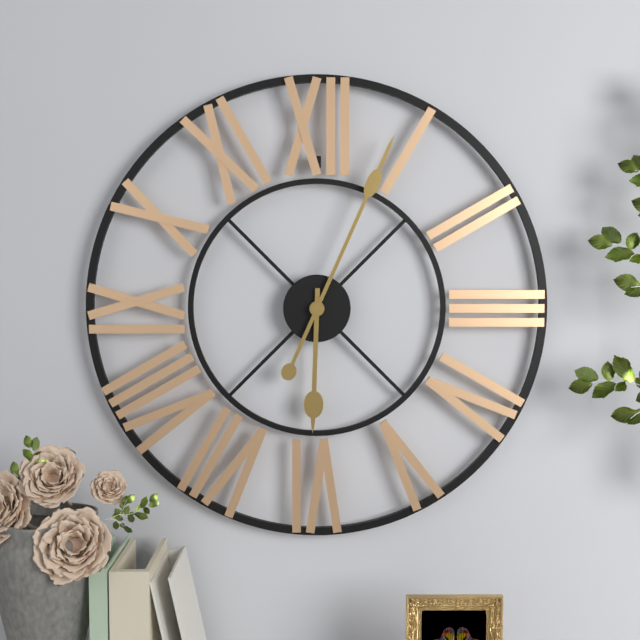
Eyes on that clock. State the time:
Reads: 6:04
